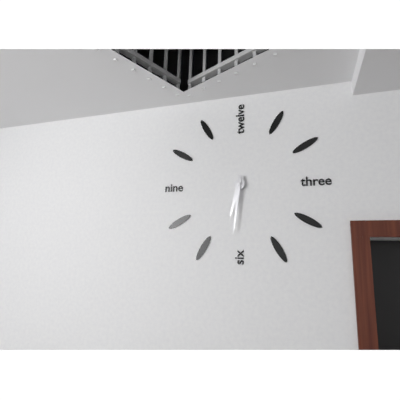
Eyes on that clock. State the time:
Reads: 6:31
